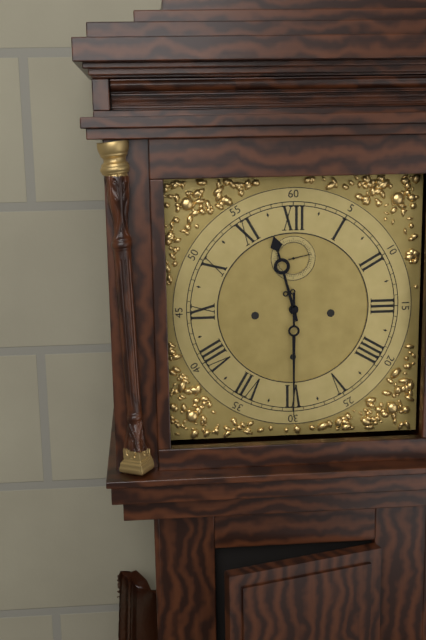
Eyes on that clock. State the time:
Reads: 11:30
